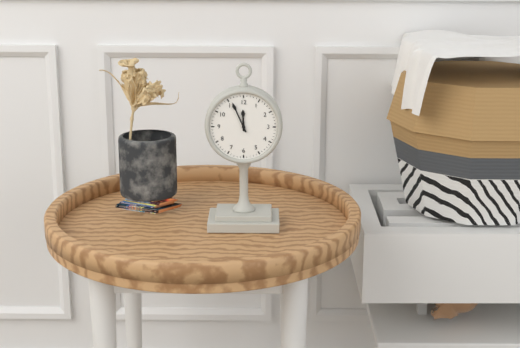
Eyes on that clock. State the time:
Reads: 11:56
